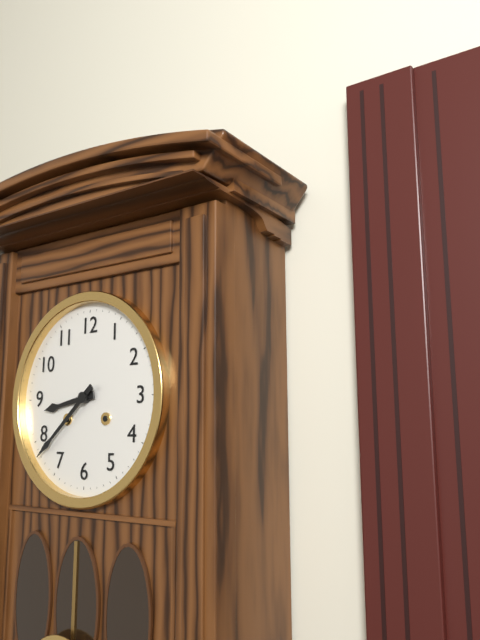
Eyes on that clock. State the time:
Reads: 8:38
